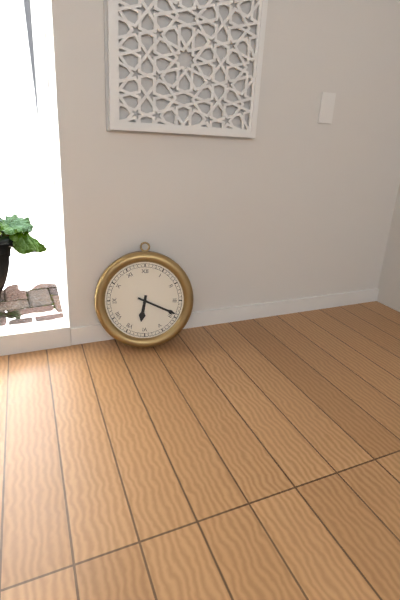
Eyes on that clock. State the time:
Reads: 6:19
